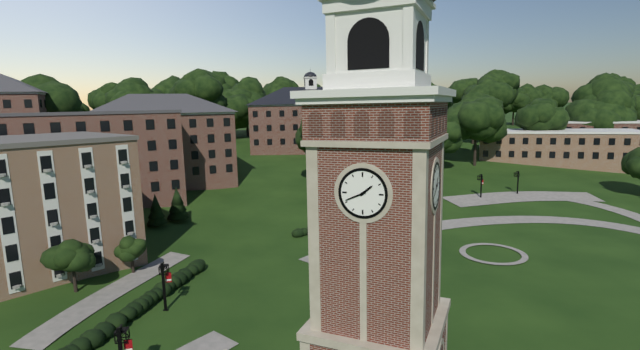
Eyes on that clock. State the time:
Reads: 1:41
